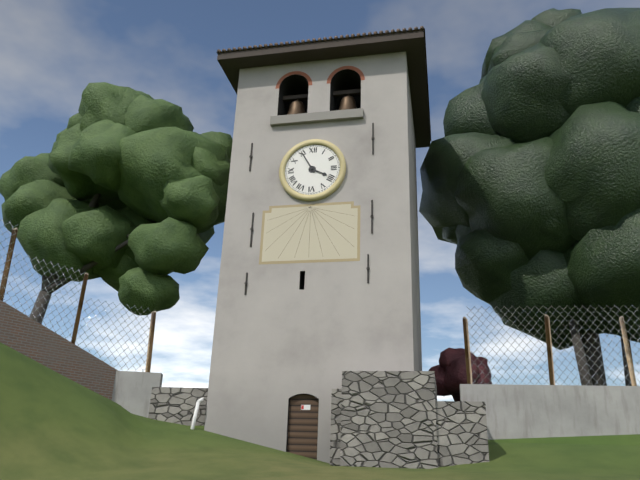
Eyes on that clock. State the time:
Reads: 3:55
